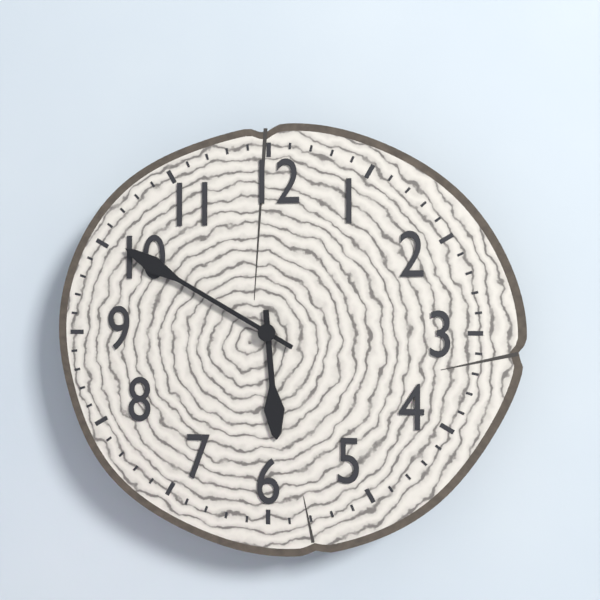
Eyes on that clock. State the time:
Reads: 5:50
